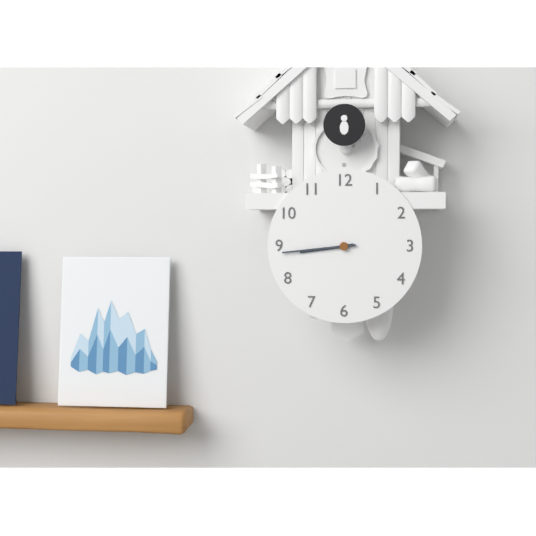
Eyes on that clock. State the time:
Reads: 8:44
